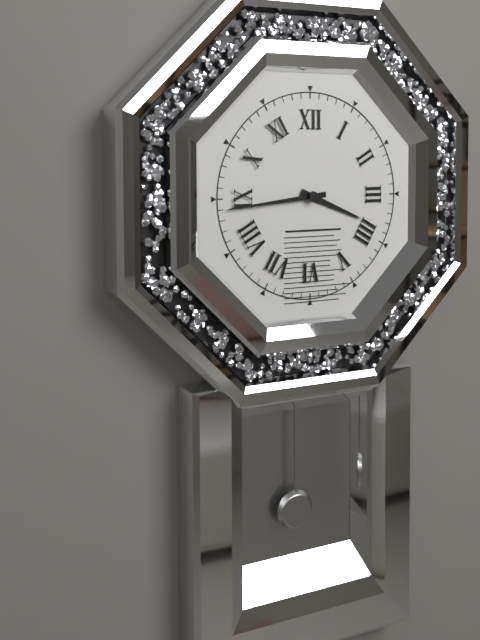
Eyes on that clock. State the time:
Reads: 3:44
